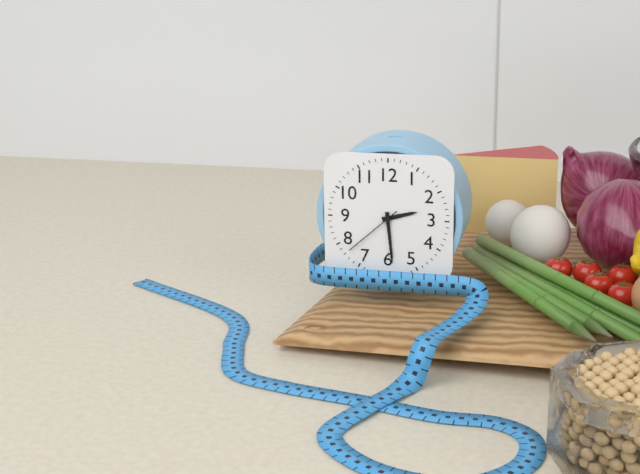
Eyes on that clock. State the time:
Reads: 2:29:38
